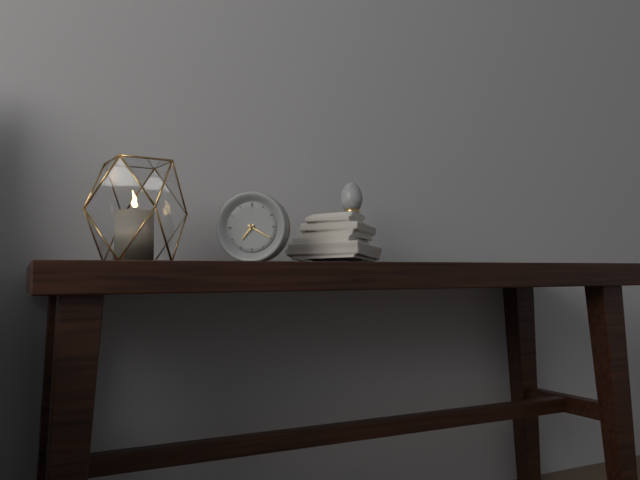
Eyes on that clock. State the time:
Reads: 7:20
